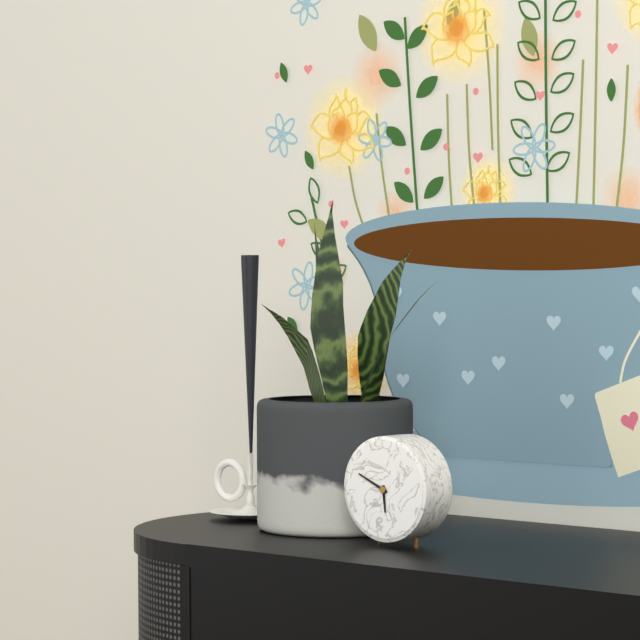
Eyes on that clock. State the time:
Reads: 5:49
